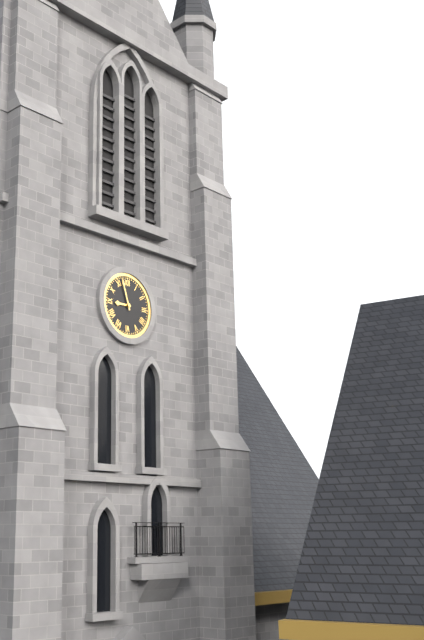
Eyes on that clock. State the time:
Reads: 8:57
